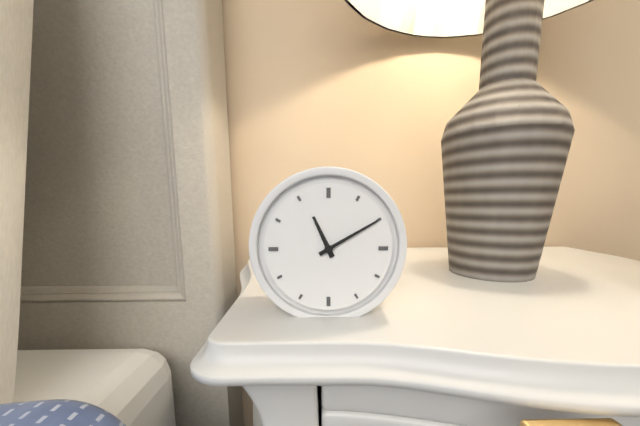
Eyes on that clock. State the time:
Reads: 11:10
